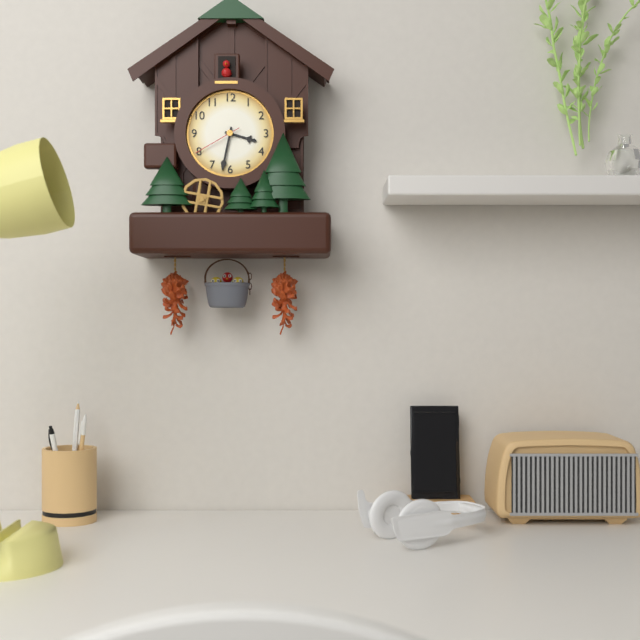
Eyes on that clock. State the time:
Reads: 3:32:40
